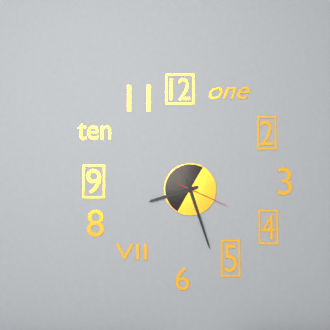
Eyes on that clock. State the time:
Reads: 8:27:19
